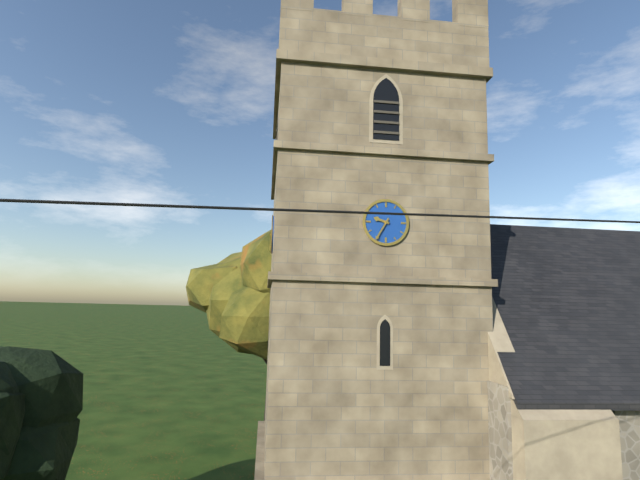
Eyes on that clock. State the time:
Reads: 9:35
